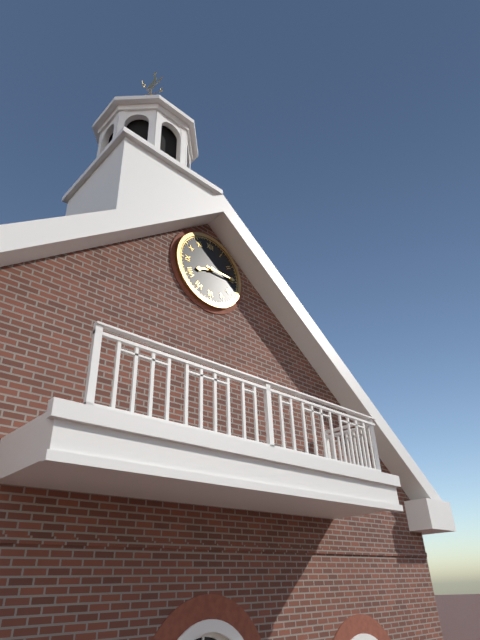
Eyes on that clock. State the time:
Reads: 8:15
